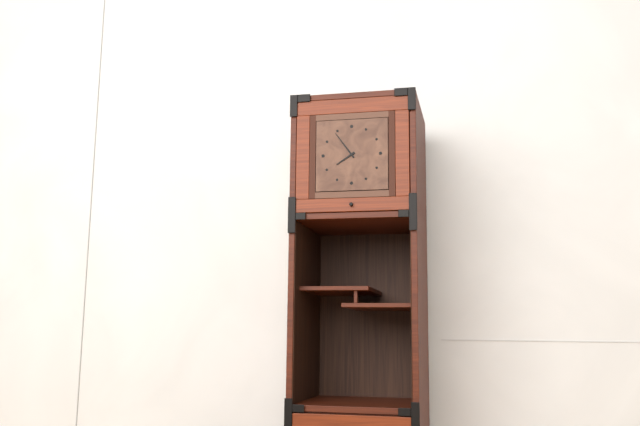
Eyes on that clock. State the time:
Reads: 7:54
